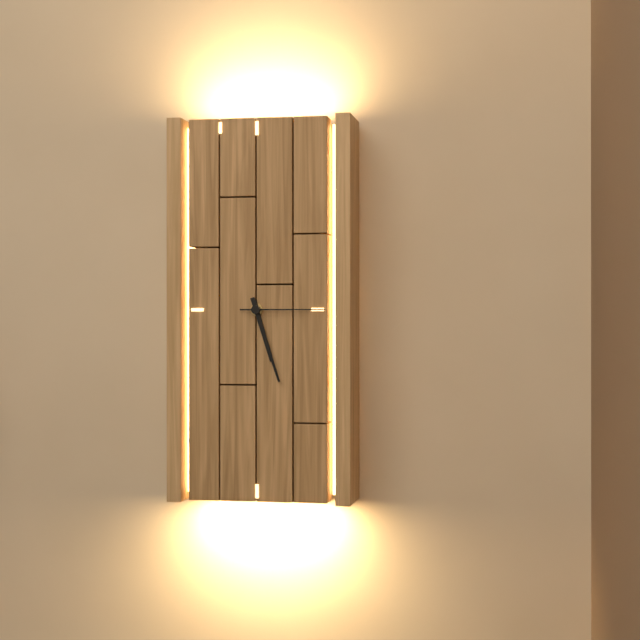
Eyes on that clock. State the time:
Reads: 5:27:15
